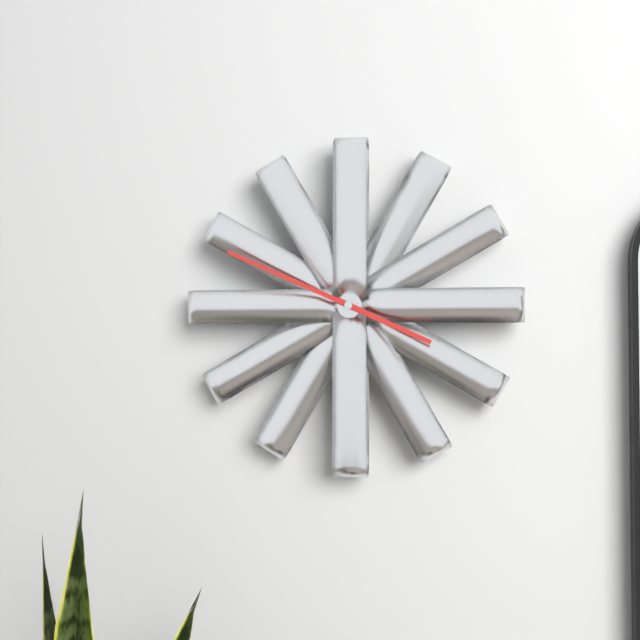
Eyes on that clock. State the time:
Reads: 3:49
